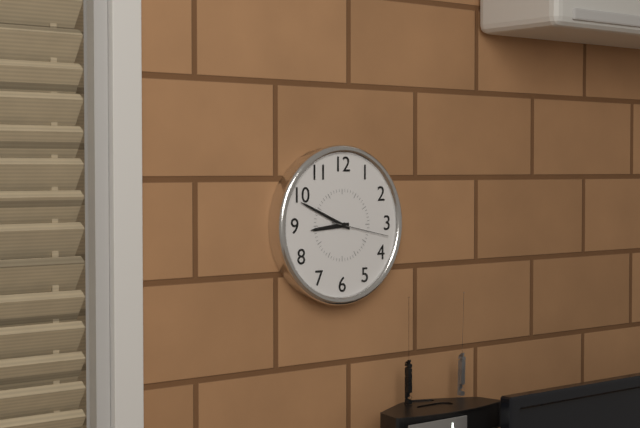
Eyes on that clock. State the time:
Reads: 8:49:17
